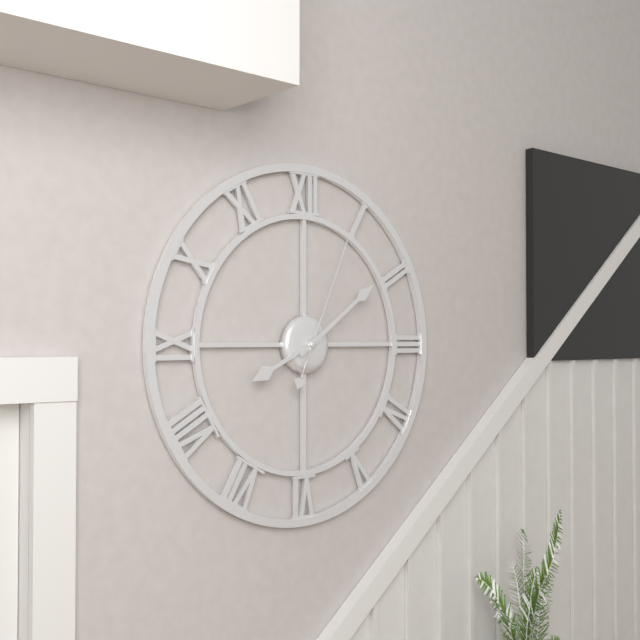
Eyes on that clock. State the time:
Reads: 8:09:04
